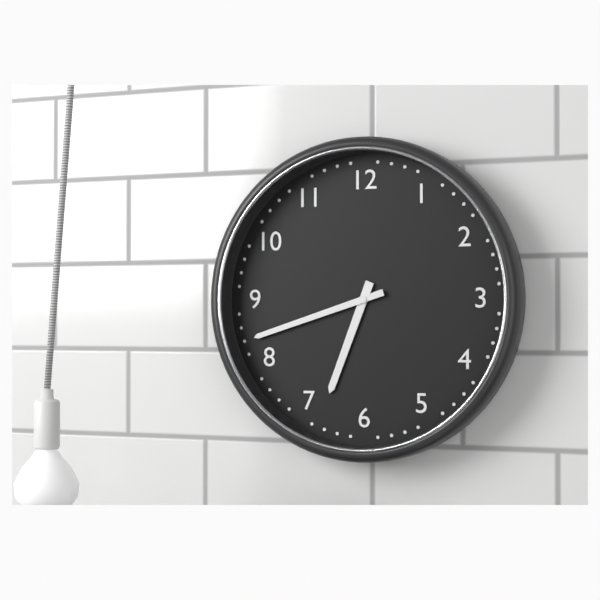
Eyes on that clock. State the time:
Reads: 6:42
